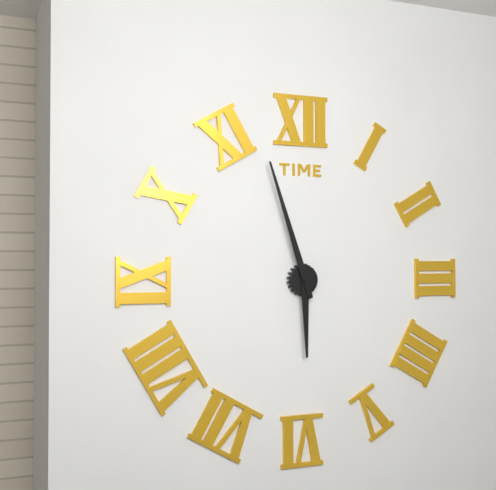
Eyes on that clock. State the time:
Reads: 5:57
